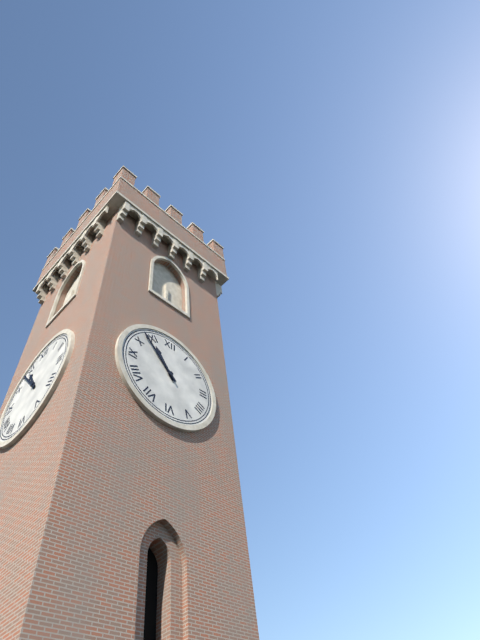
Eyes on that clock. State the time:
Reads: 10:53
